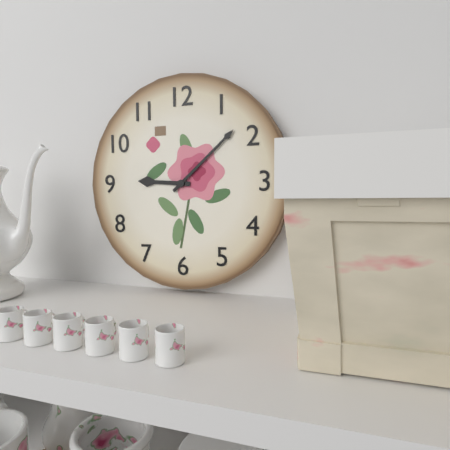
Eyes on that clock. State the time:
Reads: 9:08
